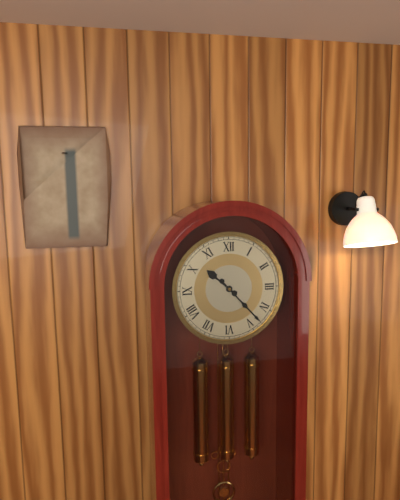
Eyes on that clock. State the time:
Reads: 10:23
